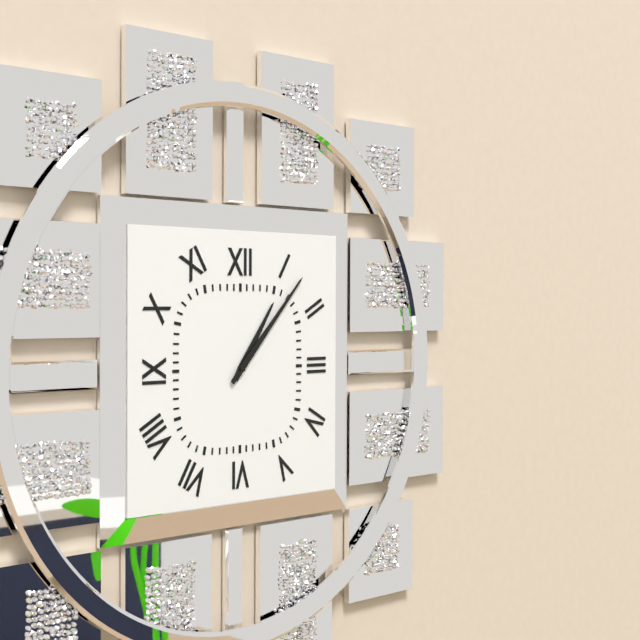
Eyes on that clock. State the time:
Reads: 1:07
